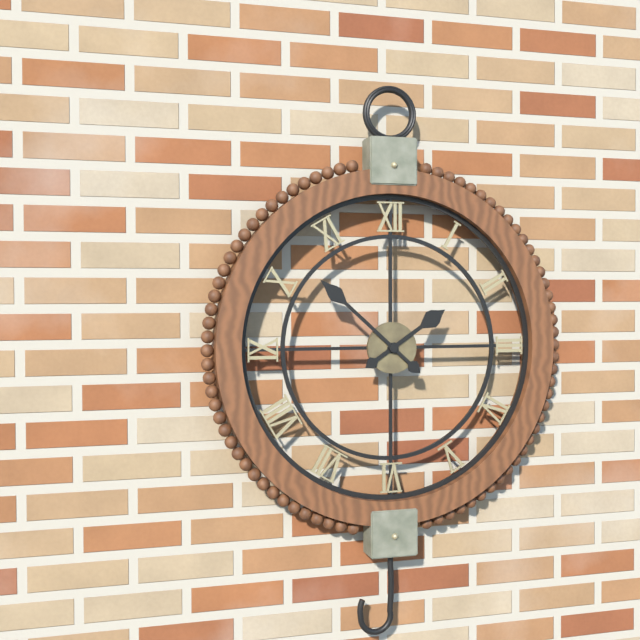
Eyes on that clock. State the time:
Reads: 1:52
